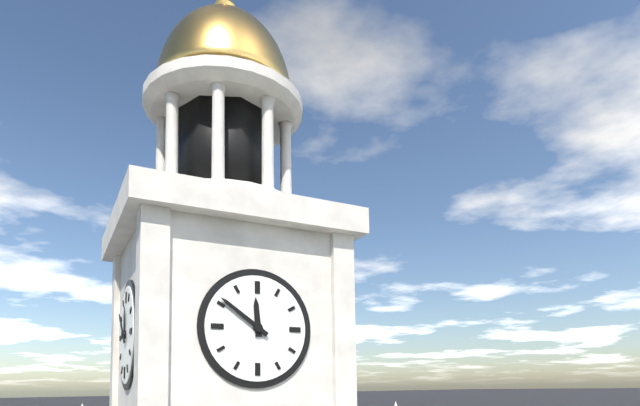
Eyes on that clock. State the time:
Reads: 11:51
